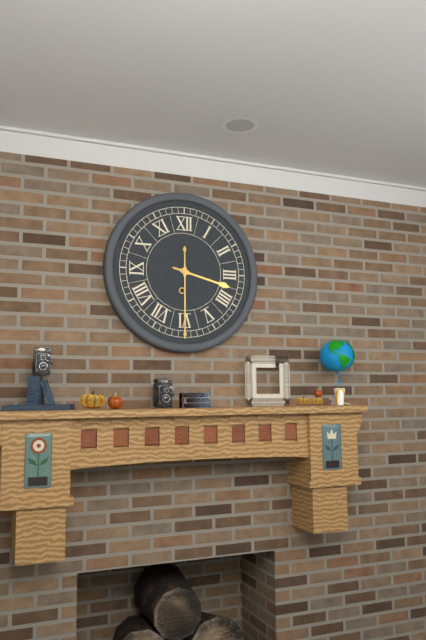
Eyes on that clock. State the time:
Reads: 3:30
